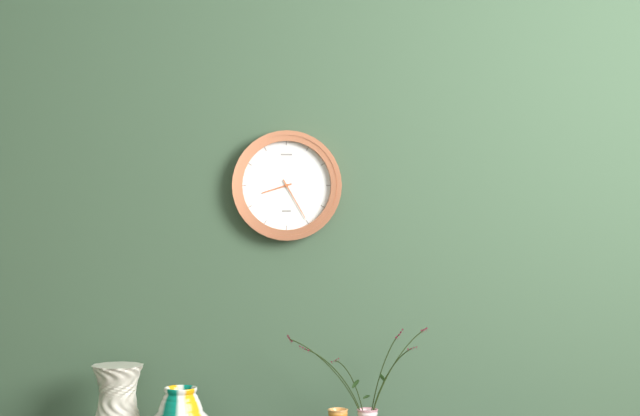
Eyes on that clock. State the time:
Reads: 8:25
